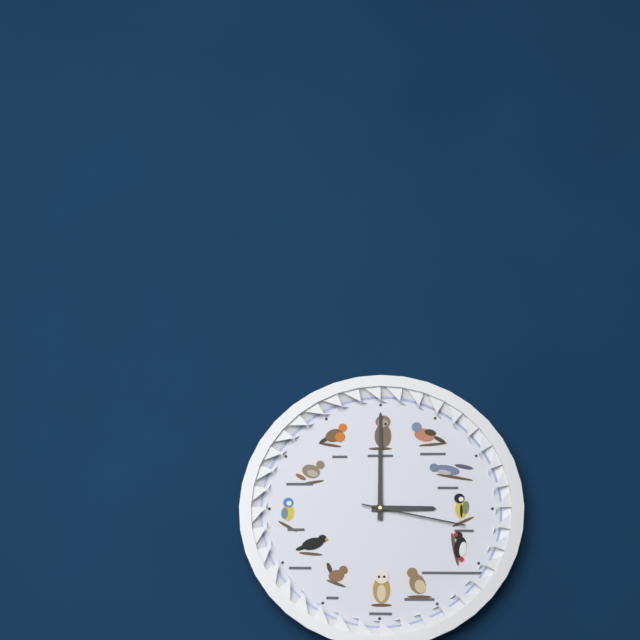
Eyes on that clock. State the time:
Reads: 3:00:17
